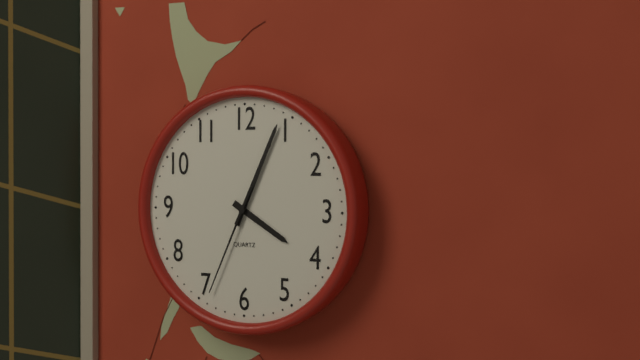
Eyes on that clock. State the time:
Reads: 4:04:34
